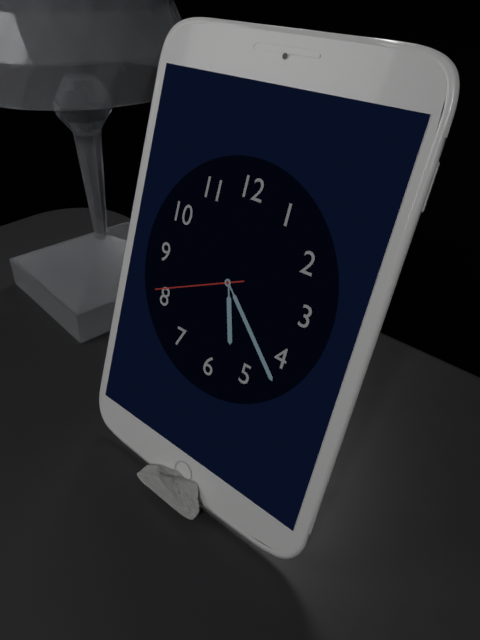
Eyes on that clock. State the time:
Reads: 5:22:41
